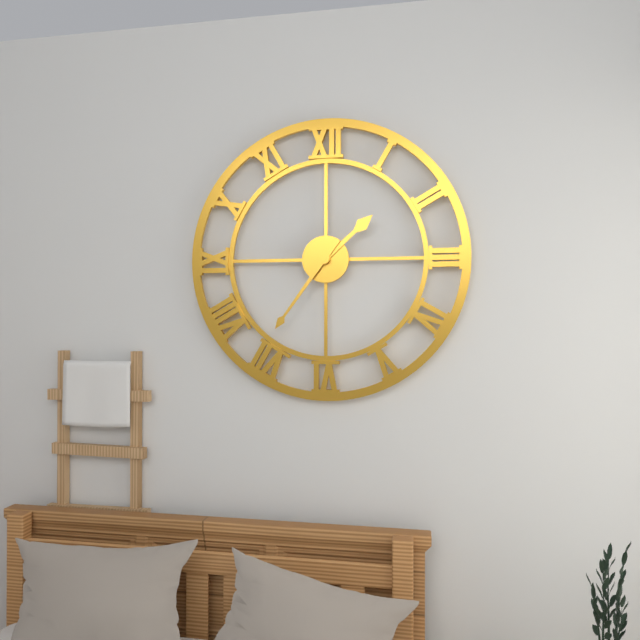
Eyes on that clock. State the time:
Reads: 1:36
